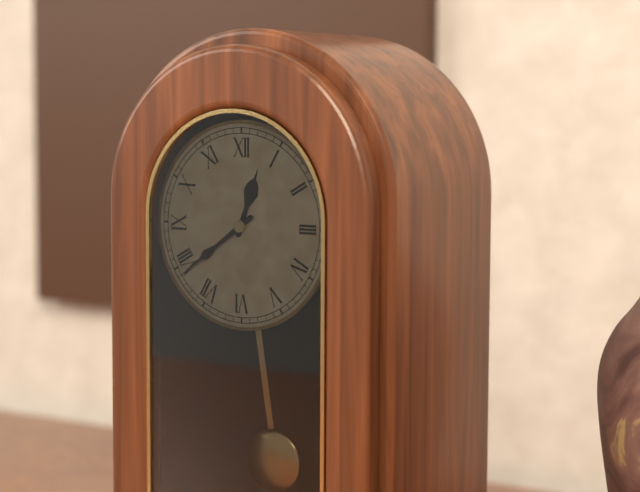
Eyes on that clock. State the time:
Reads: 12:39
